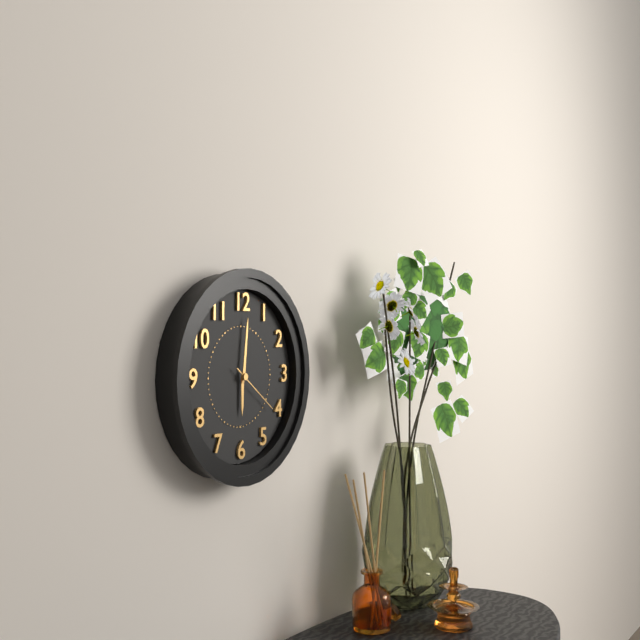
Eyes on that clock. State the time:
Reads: 6:01:21
